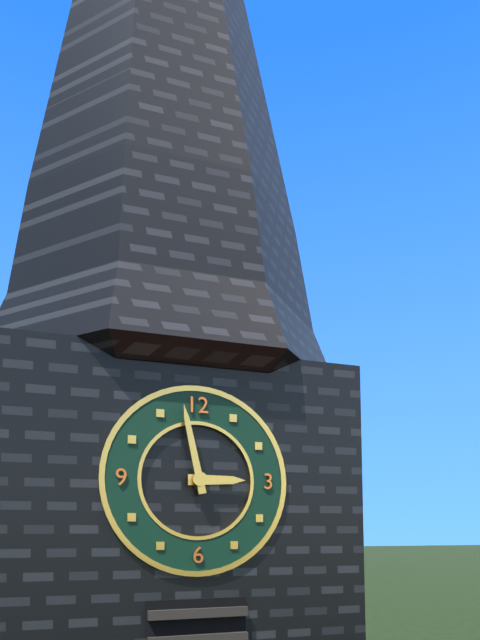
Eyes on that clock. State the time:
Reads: 2:58
